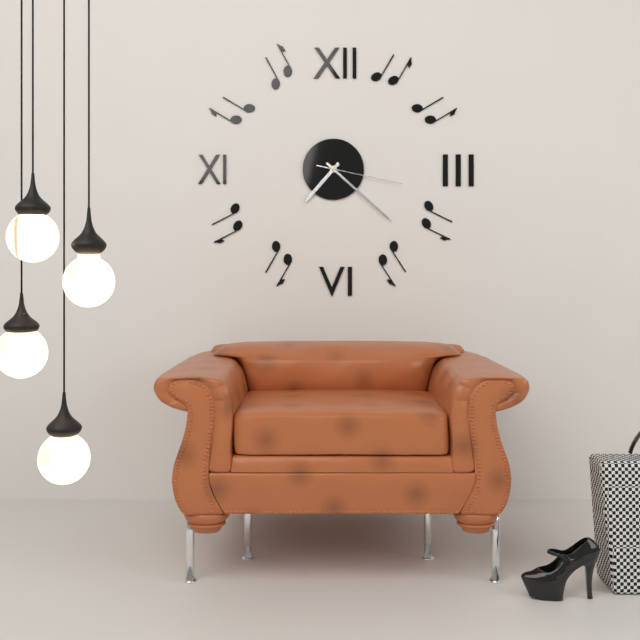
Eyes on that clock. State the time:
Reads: 7:22:17
